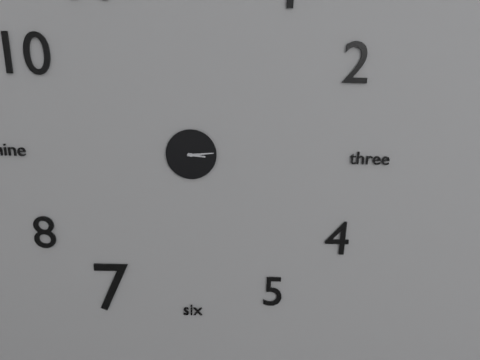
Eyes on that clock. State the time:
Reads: 3:14
